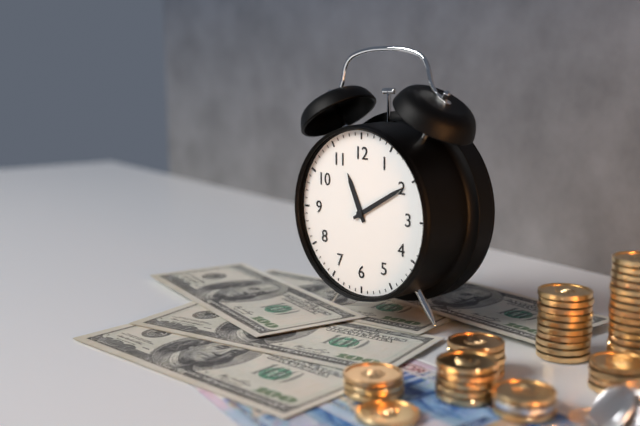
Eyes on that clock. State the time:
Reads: 11:10
